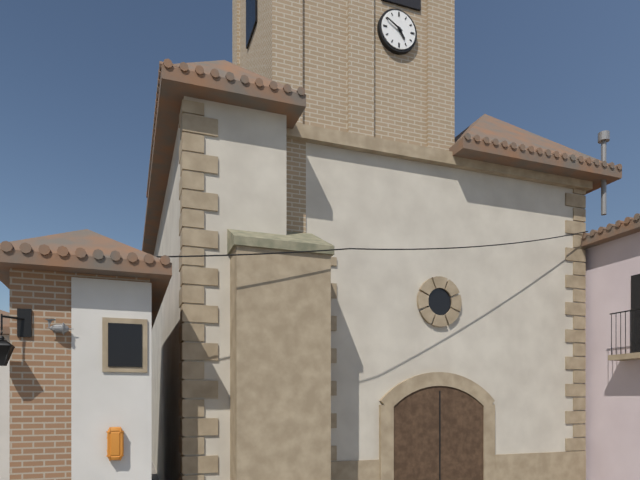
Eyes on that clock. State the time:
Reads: 4:50
